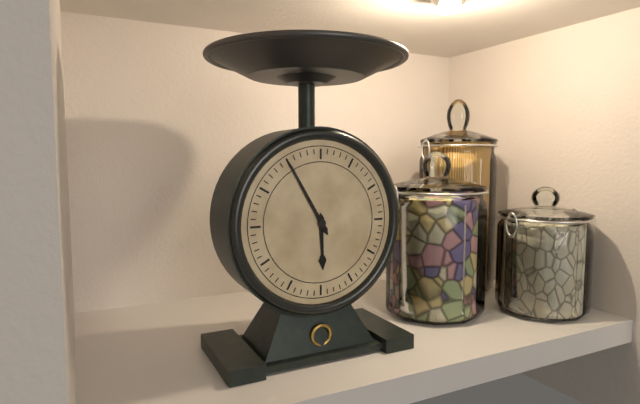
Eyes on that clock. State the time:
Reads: 5:55
